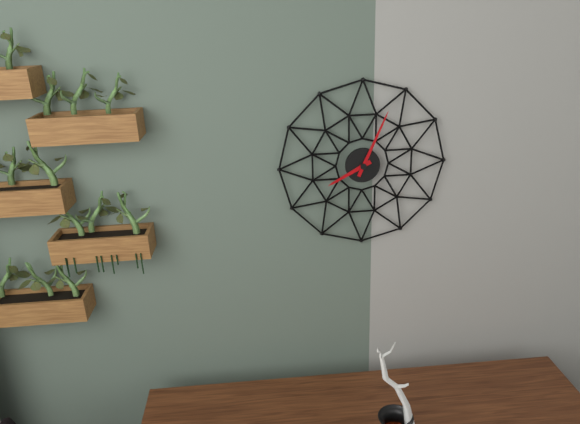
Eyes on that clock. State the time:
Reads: 8:04
